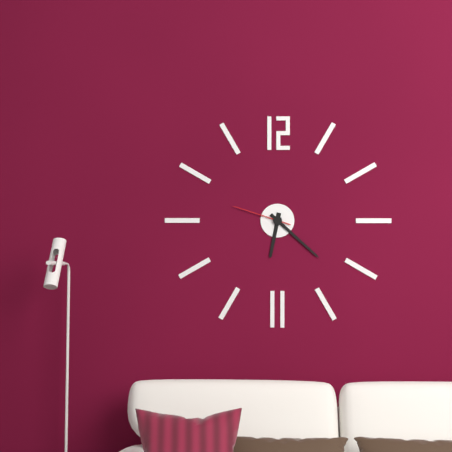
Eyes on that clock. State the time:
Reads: 6:22:48
